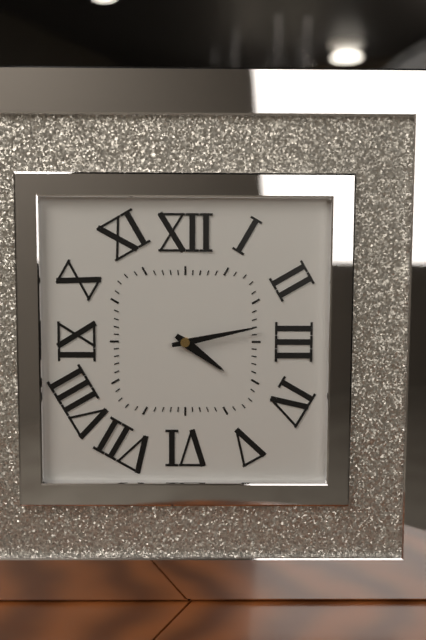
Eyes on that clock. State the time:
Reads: 4:13
